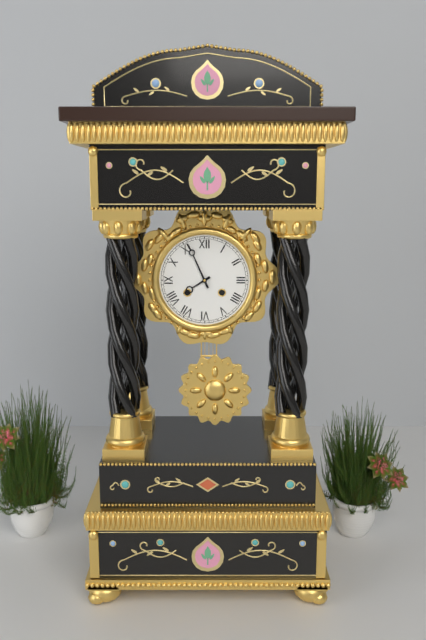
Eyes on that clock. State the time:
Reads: 7:56
